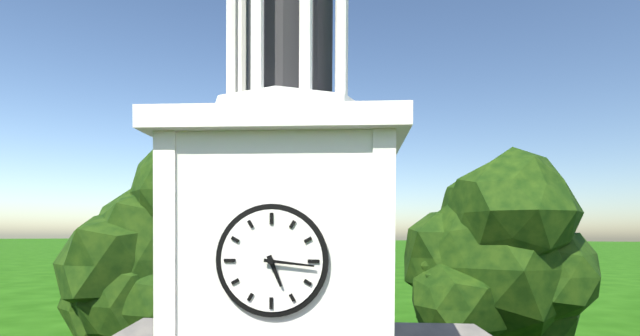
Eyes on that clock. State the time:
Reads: 5:16
